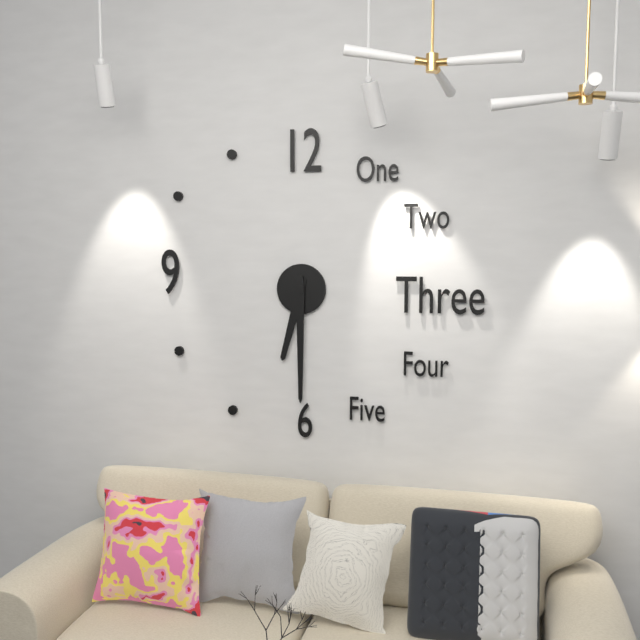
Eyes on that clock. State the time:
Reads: 6:30
